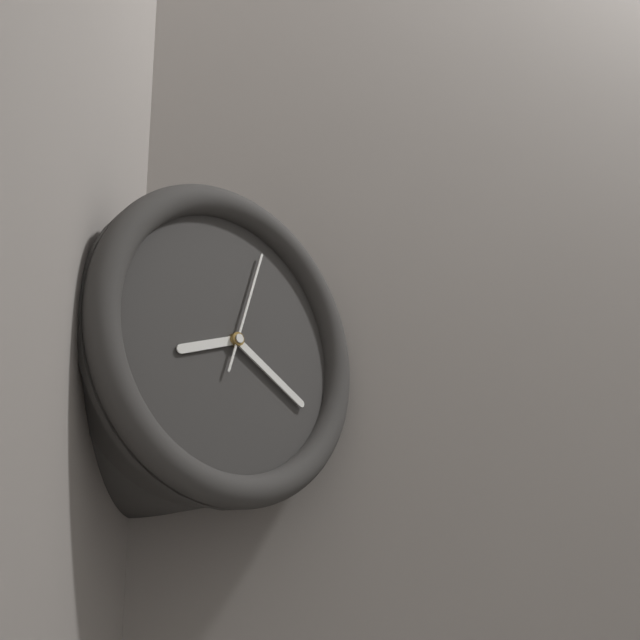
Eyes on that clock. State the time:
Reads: 8:20:03
